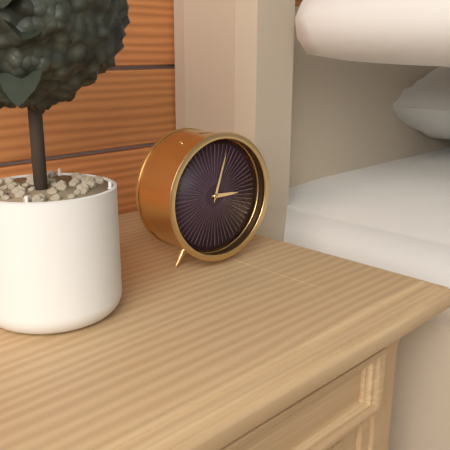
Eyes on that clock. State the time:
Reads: 3:03
